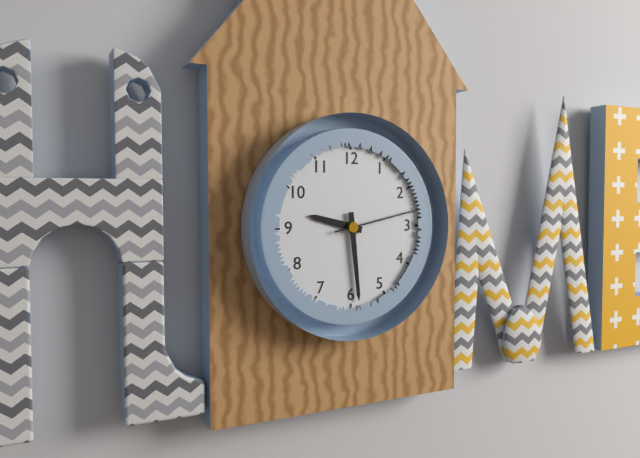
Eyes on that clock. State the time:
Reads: 9:29:13
